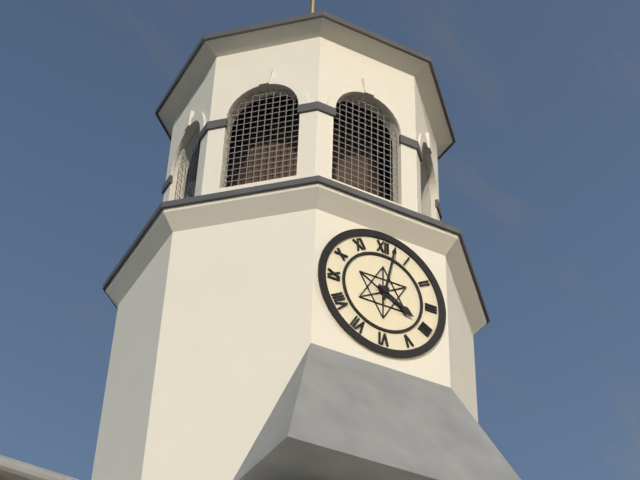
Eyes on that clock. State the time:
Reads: 4:02
